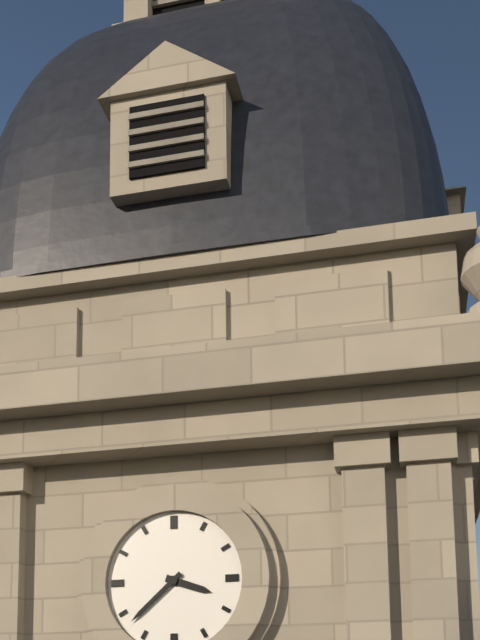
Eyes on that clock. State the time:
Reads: 3:38
